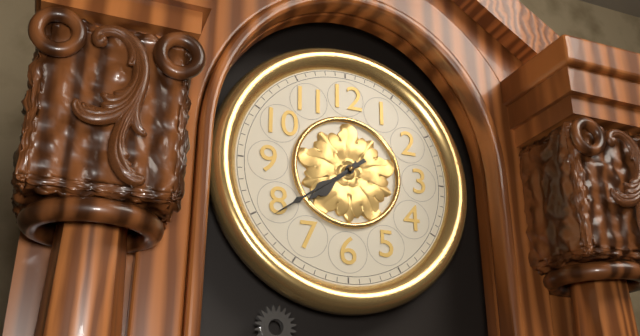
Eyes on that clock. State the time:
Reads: 7:39
